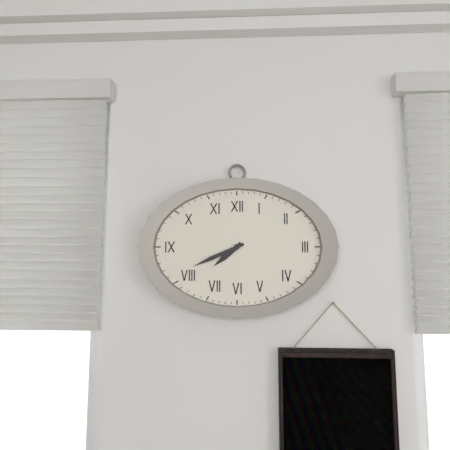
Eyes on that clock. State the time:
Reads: 7:41
